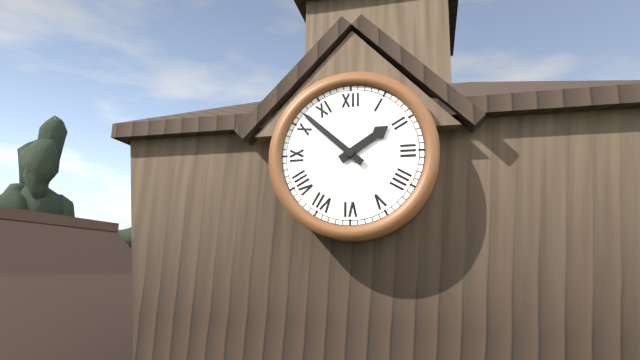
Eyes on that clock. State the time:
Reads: 1:52
